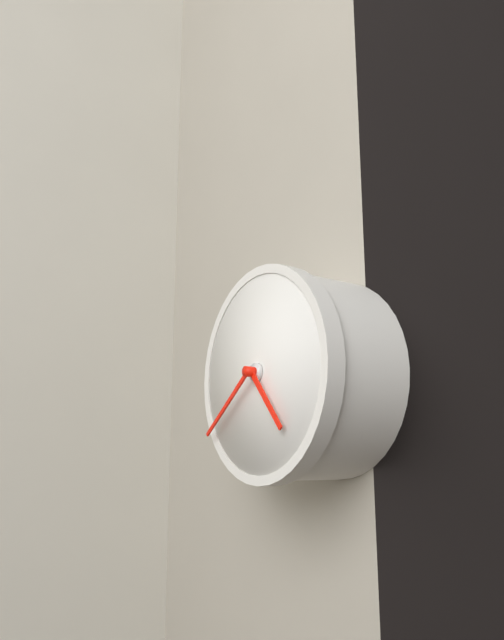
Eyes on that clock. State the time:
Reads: 4:39
